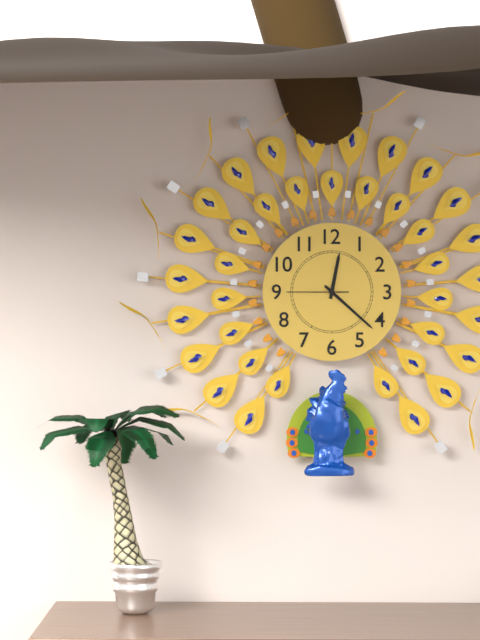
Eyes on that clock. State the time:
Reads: 12:22:45
